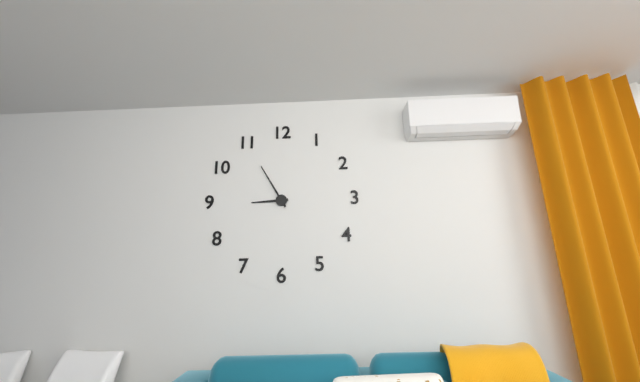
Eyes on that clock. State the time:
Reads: 8:55
